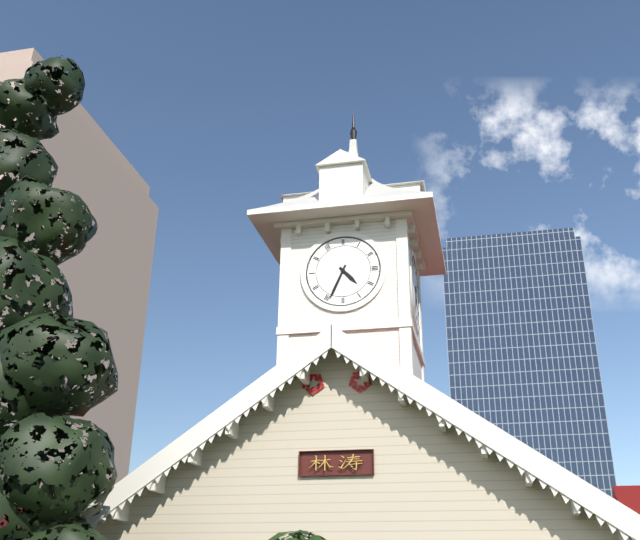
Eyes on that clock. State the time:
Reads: 4:34
